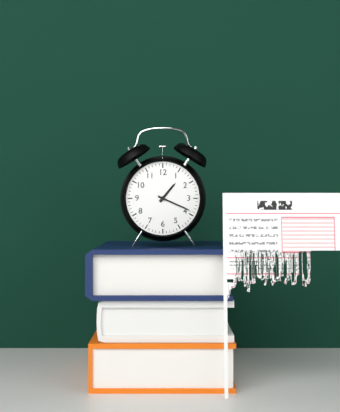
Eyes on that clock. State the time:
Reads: 1:19
